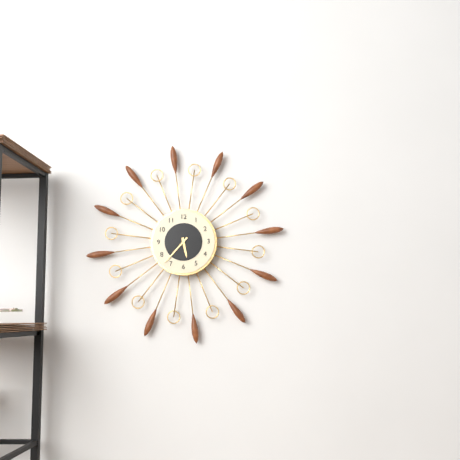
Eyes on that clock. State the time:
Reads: 5:37
